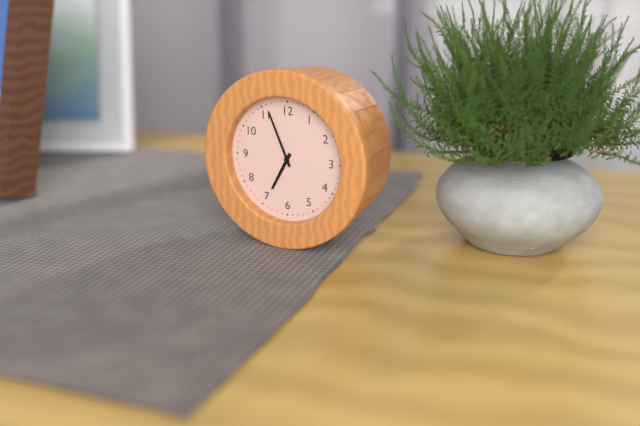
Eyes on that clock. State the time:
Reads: 6:56
